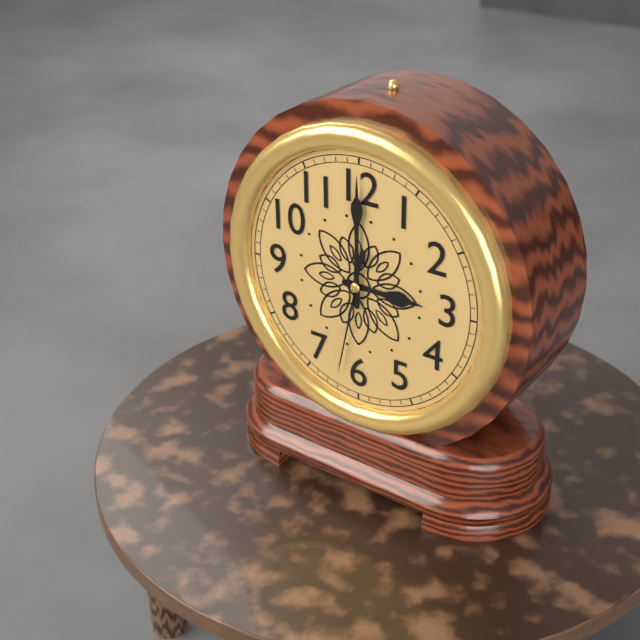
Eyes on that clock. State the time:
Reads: 3:00:32
